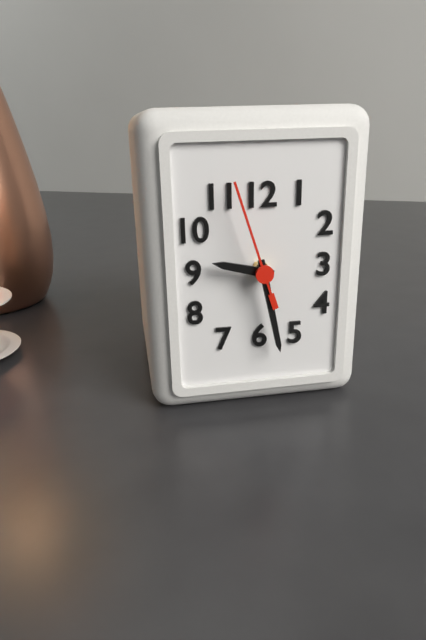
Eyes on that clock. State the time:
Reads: 9:28:57
